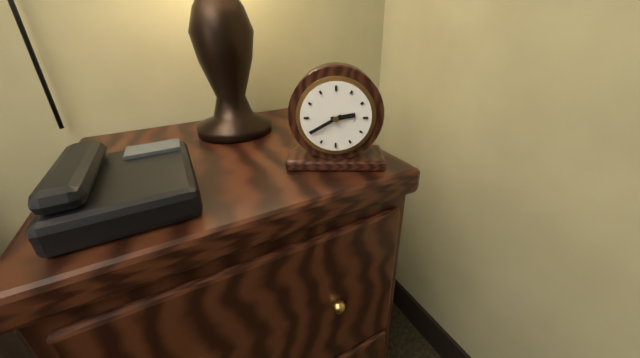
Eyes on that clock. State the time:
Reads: 2:40
